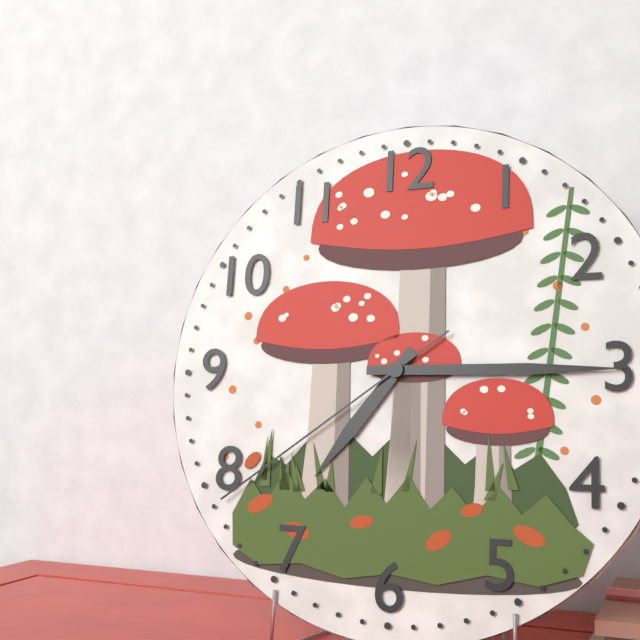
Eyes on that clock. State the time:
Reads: 7:15:39
